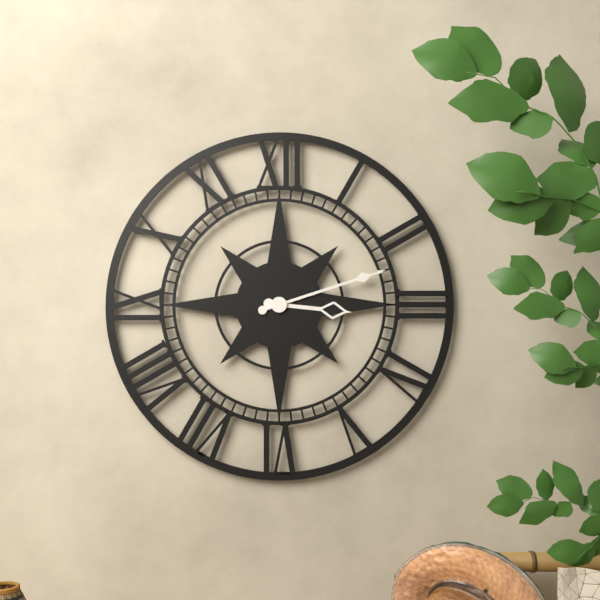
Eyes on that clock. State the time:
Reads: 3:12
